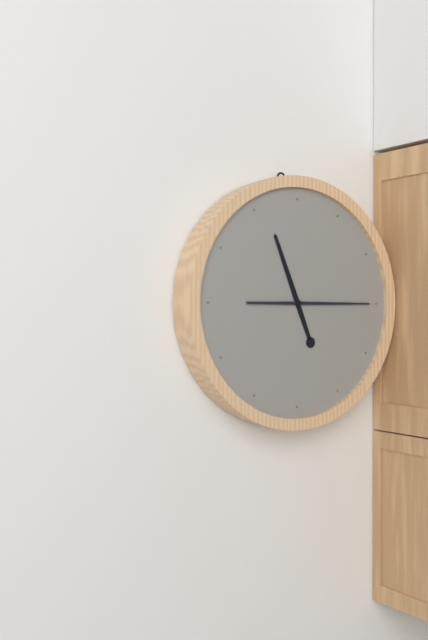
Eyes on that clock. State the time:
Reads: 11:15
